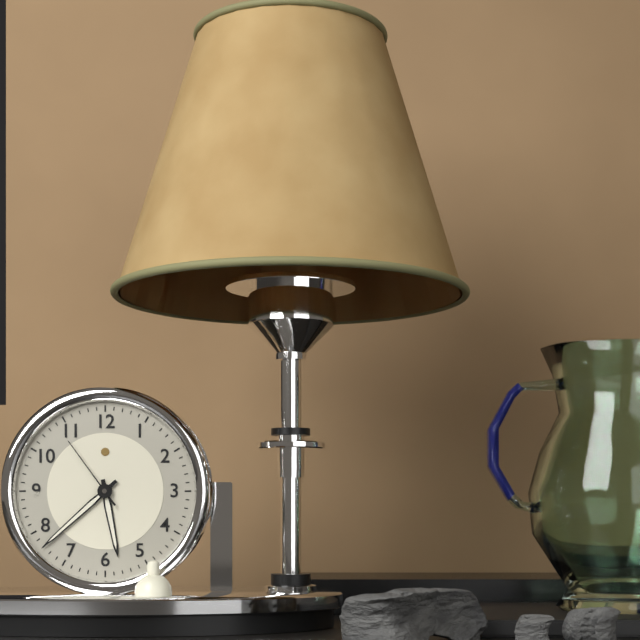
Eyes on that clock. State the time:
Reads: 5:38:54
